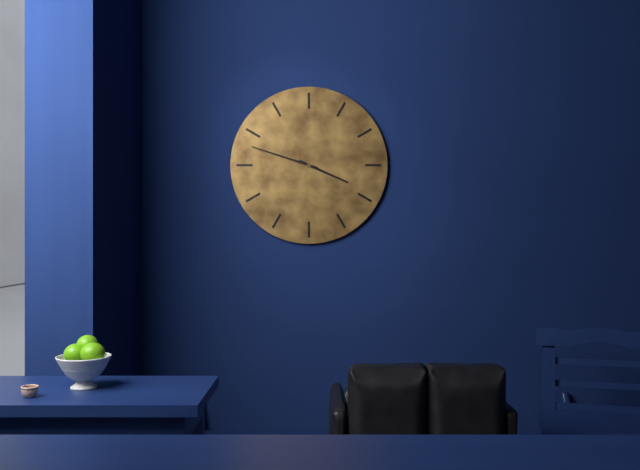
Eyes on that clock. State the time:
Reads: 3:48
